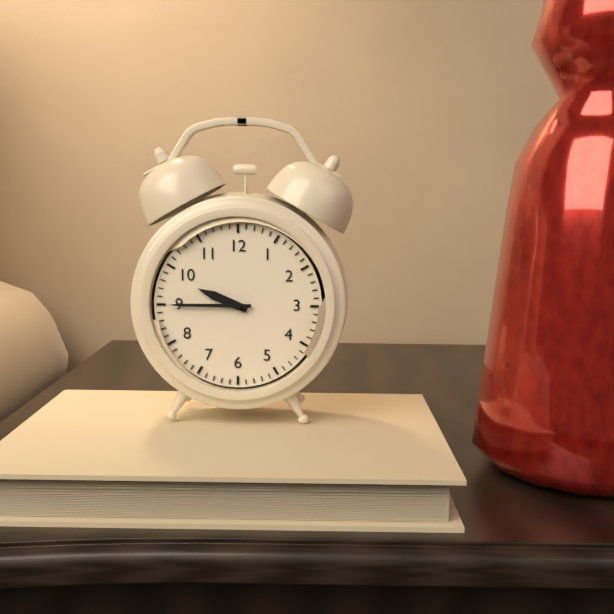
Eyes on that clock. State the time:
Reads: 9:45
